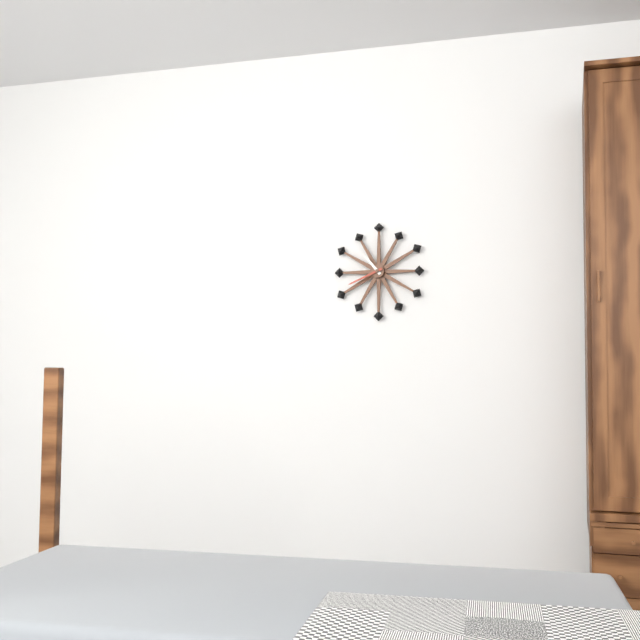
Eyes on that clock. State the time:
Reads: 10:41
